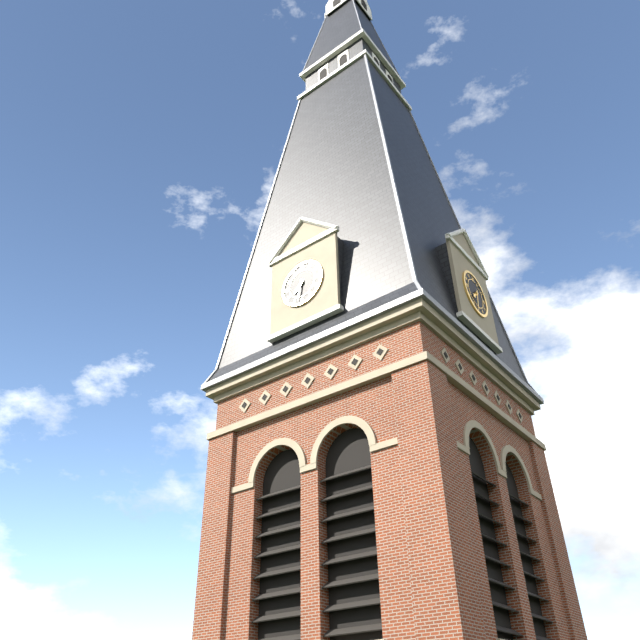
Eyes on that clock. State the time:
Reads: 7:32
